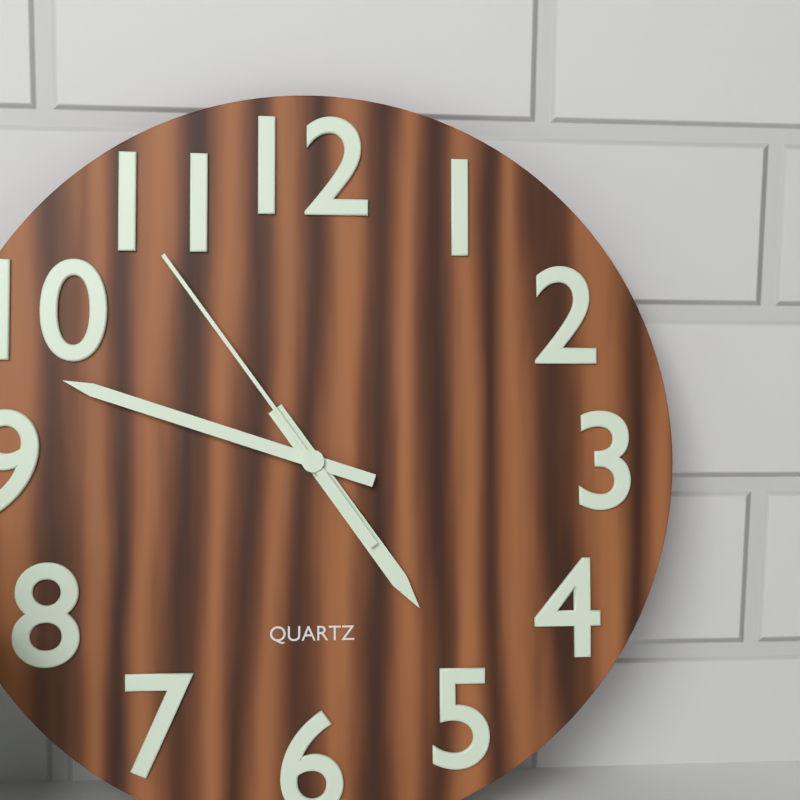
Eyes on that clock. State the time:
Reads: 4:48:54
